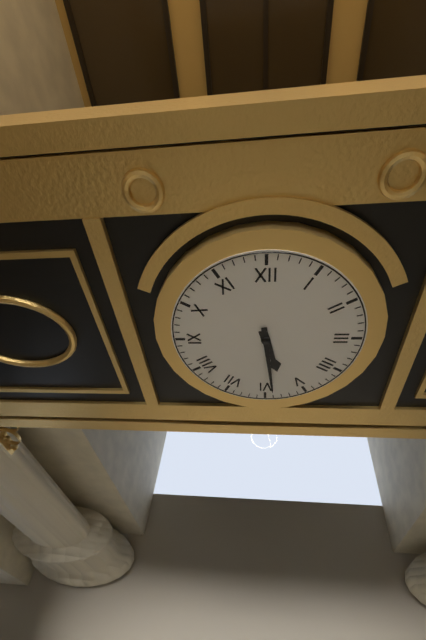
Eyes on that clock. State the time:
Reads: 5:29
